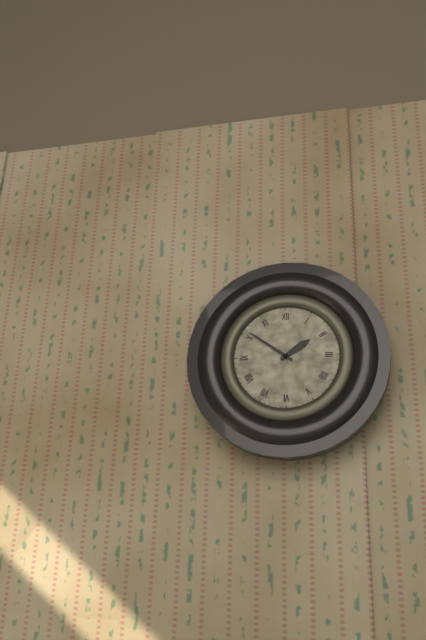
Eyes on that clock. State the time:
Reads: 1:51
